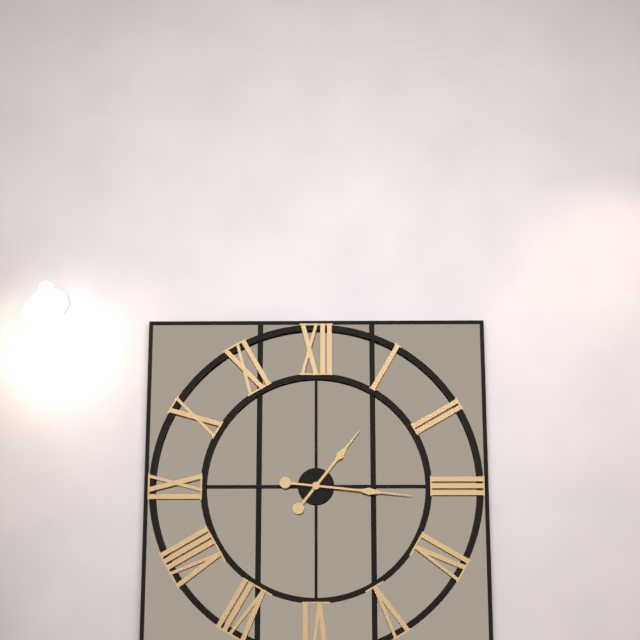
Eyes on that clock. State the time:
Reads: 1:16
